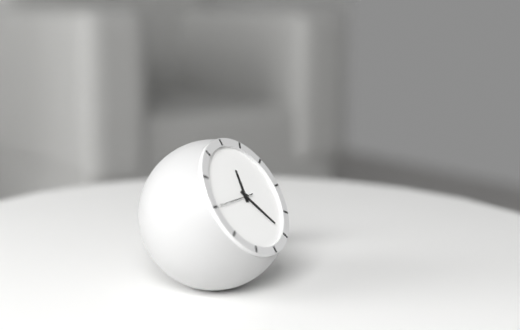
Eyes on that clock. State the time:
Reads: 12:24
